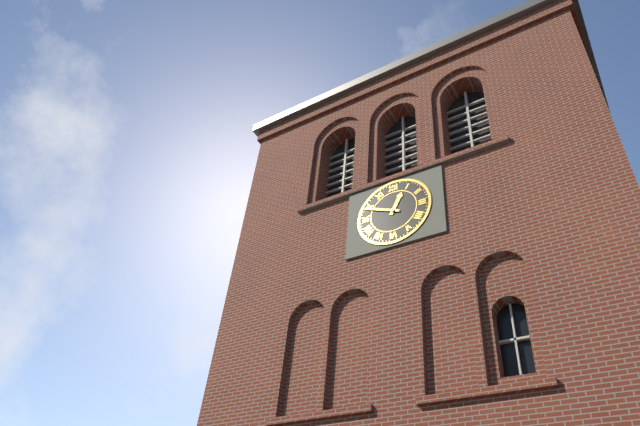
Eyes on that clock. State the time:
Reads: 12:49
